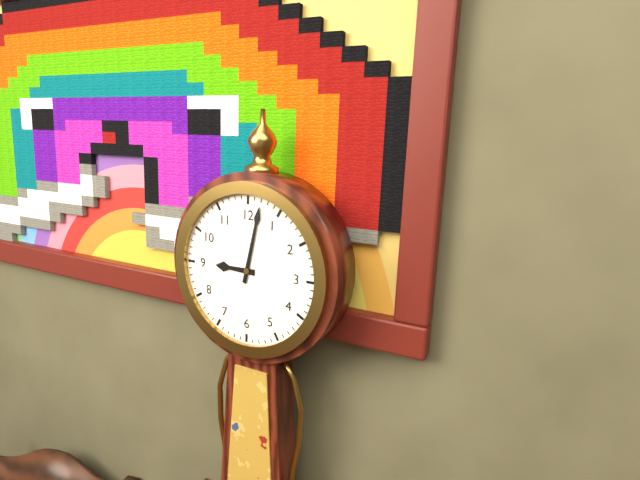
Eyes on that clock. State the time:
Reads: 9:02
